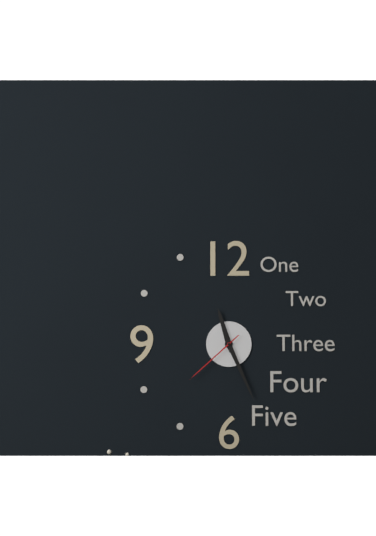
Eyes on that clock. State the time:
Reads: 11:26:38
